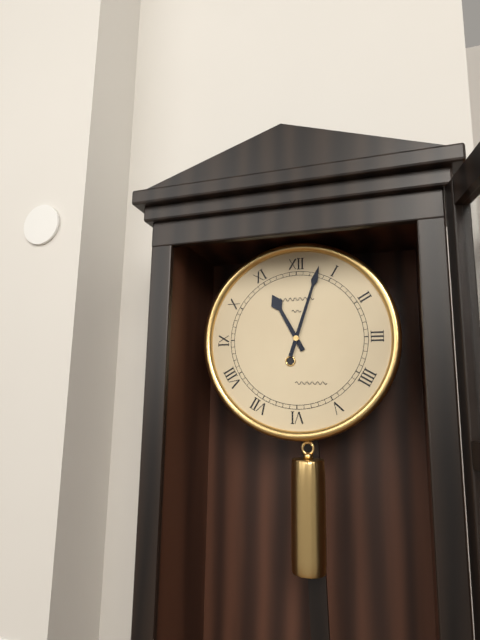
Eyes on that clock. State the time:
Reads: 11:03
